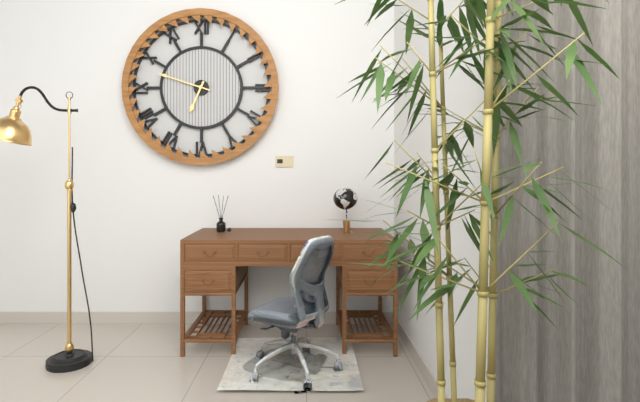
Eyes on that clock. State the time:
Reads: 6:48
